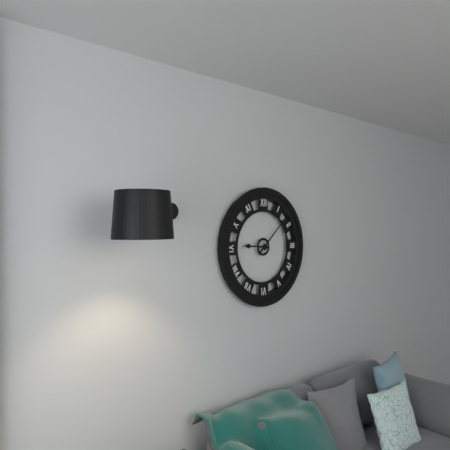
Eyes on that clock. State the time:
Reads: 9:08
